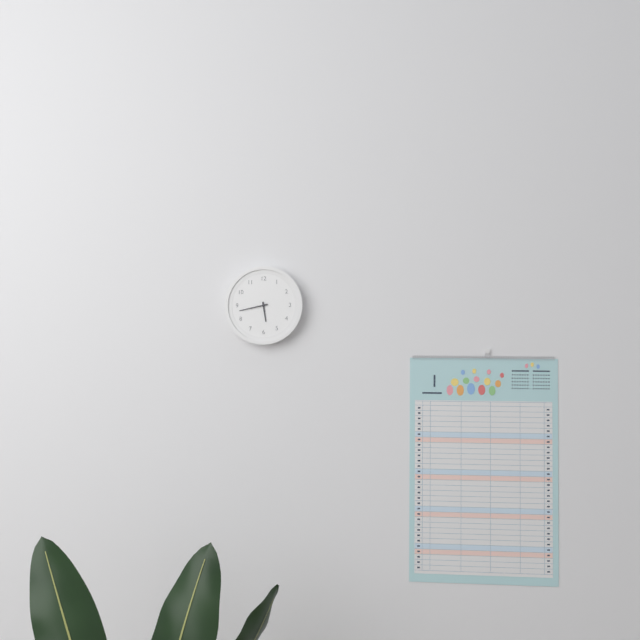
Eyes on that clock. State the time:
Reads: 5:43
